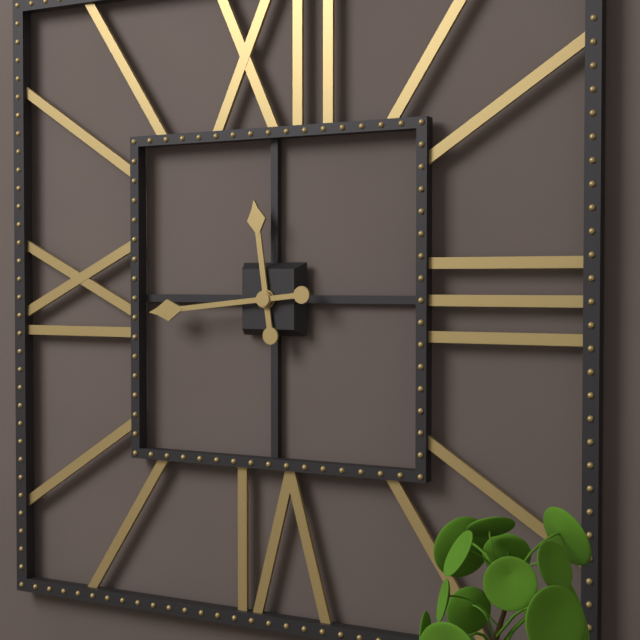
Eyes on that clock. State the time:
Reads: 11:44
